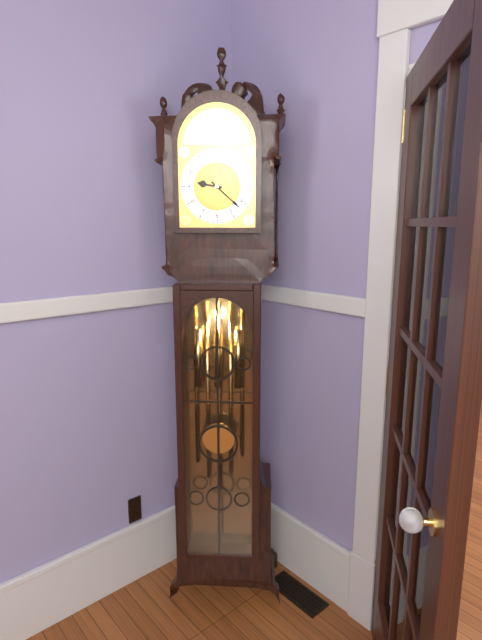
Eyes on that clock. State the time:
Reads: 9:22
